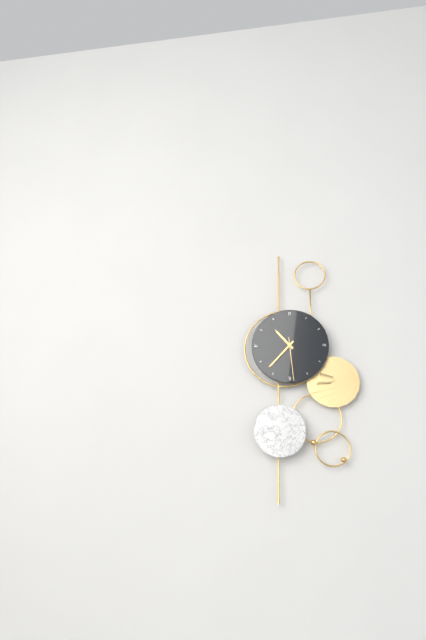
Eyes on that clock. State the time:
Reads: 10:37
